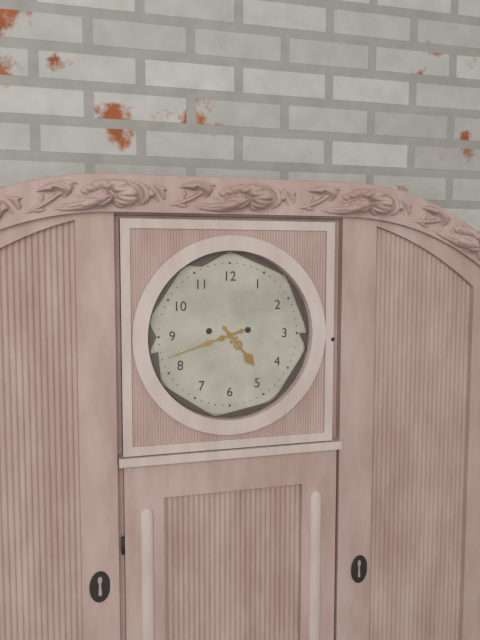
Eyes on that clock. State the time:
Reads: 4:42
